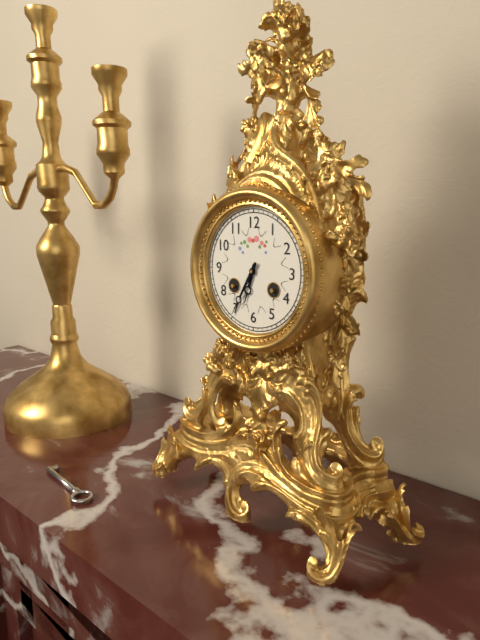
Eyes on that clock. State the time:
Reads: 6:35
